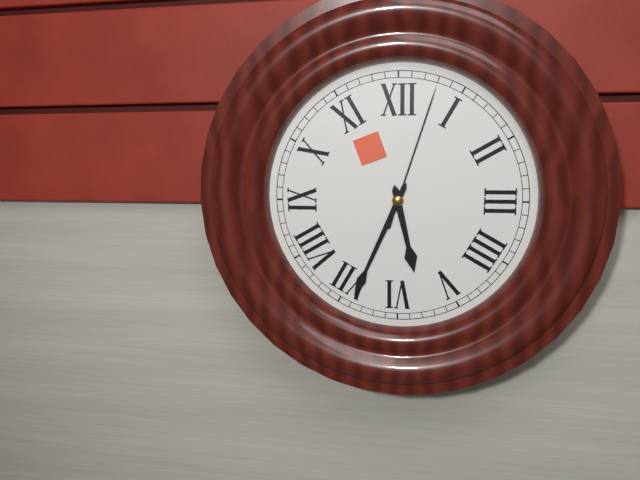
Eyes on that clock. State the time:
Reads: 5:34:03
